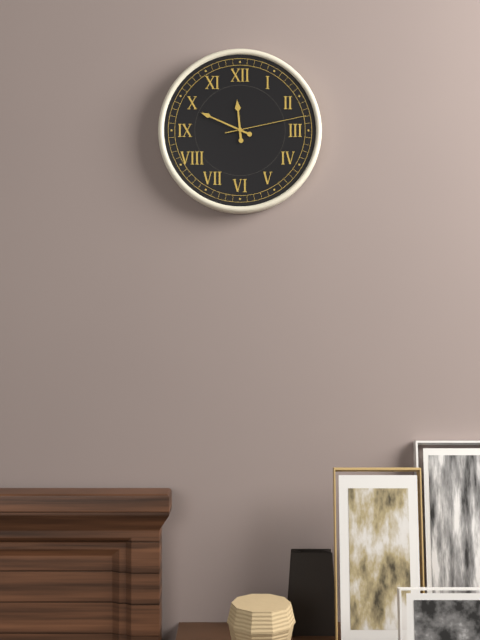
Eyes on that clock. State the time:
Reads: 11:49:13
